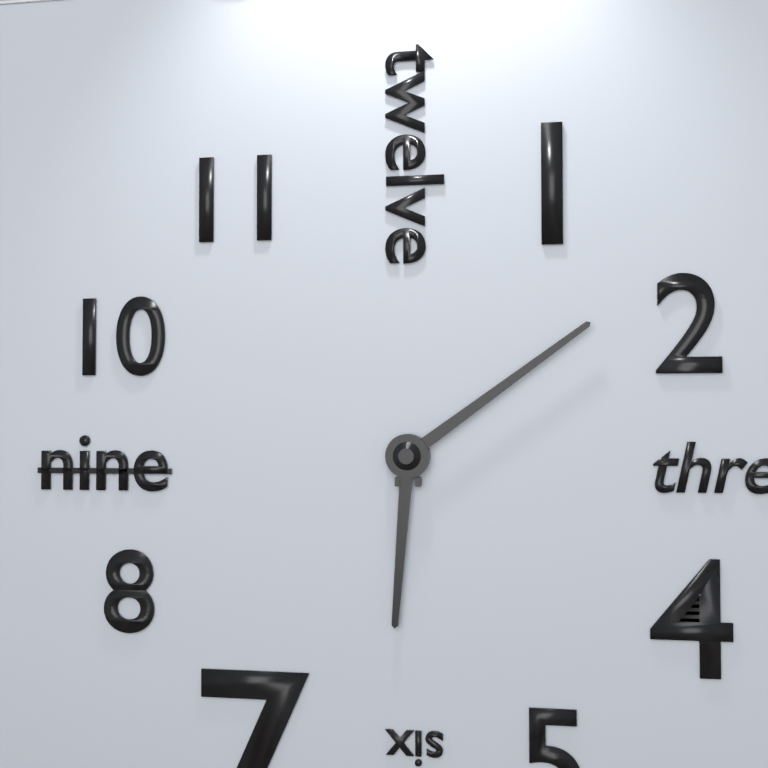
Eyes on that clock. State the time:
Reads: 6:09
